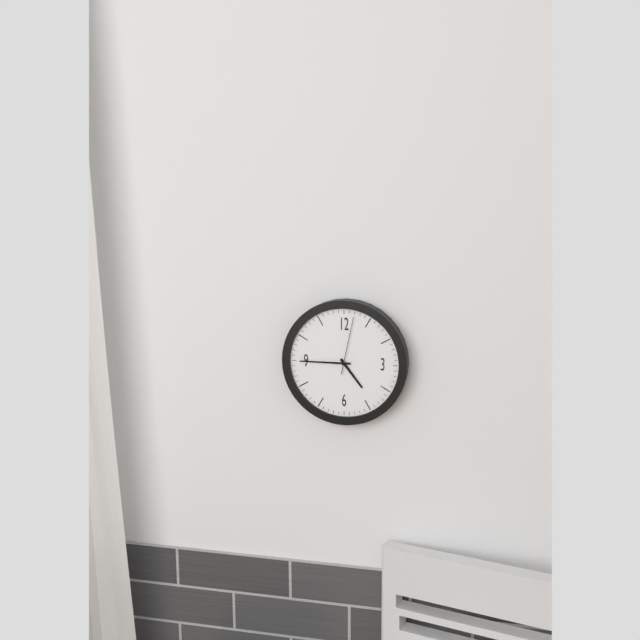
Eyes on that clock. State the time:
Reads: 4:45:02
